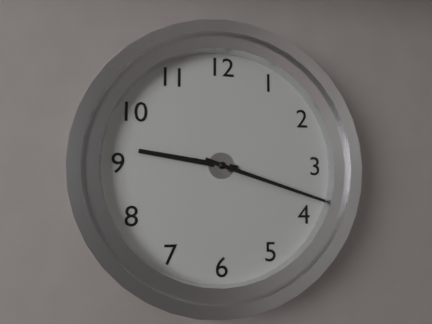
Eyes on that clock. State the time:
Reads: 9:18
